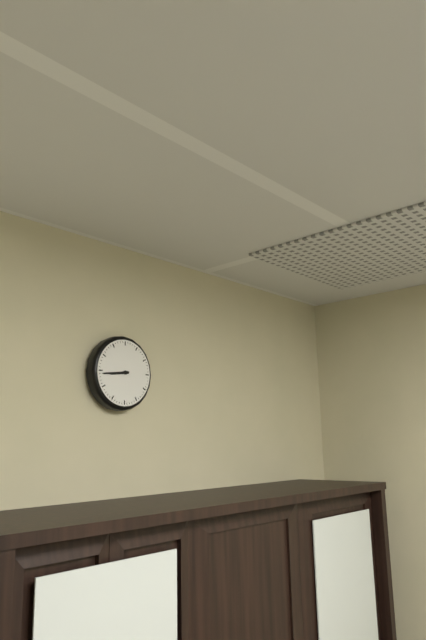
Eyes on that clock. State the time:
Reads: 8:44
